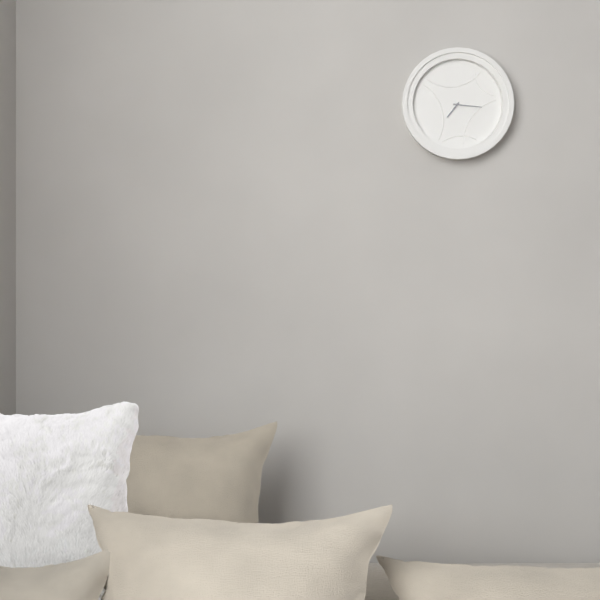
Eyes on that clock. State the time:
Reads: 7:16
